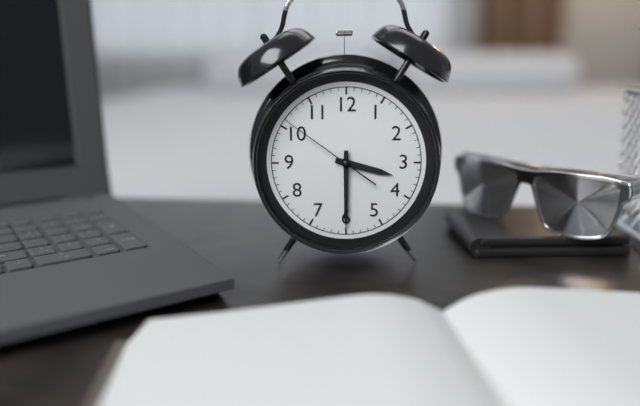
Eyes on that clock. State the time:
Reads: 3:30:51
